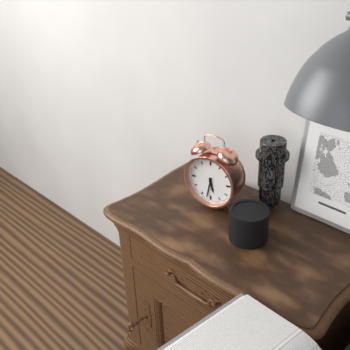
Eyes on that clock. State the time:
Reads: 5:32
